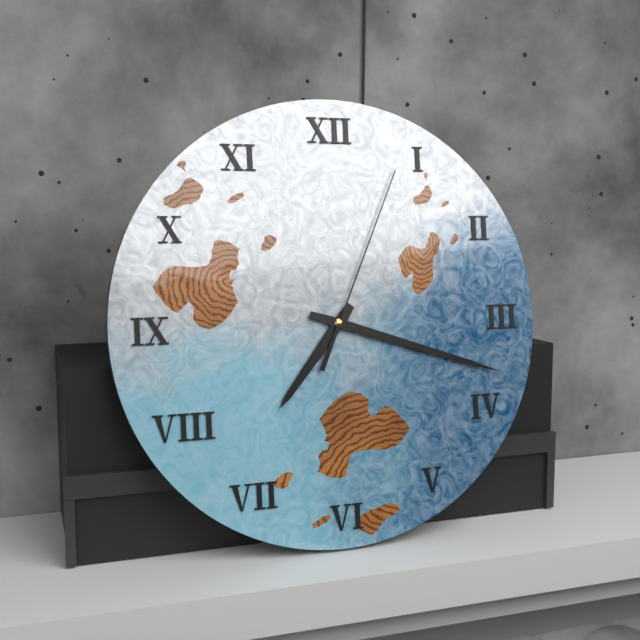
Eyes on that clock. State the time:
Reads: 7:18:04
